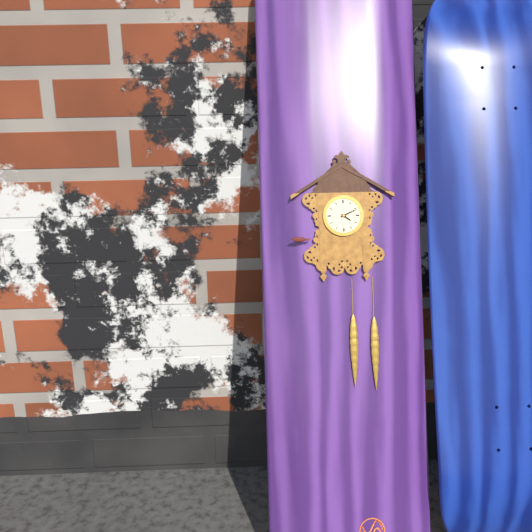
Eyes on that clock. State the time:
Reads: 4:11
